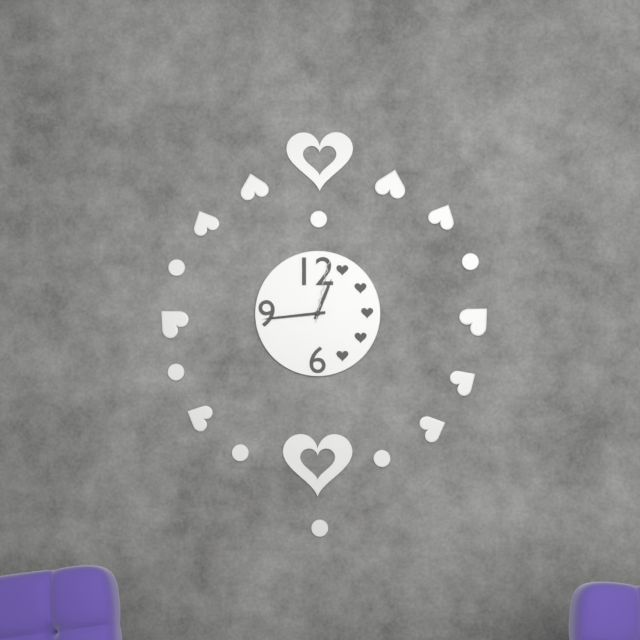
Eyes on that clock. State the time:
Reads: 12:44:02
